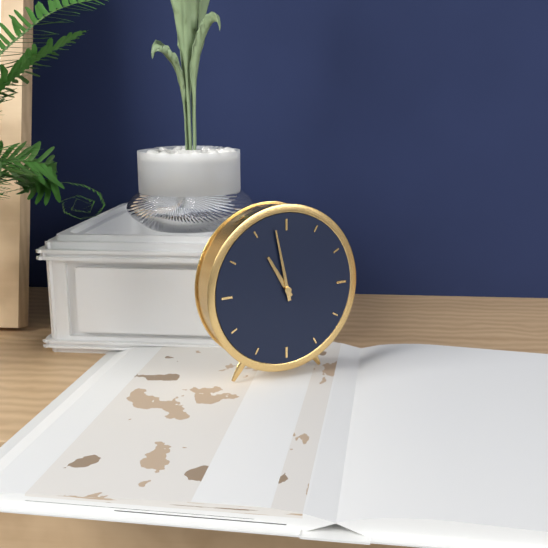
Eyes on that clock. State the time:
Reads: 10:58
